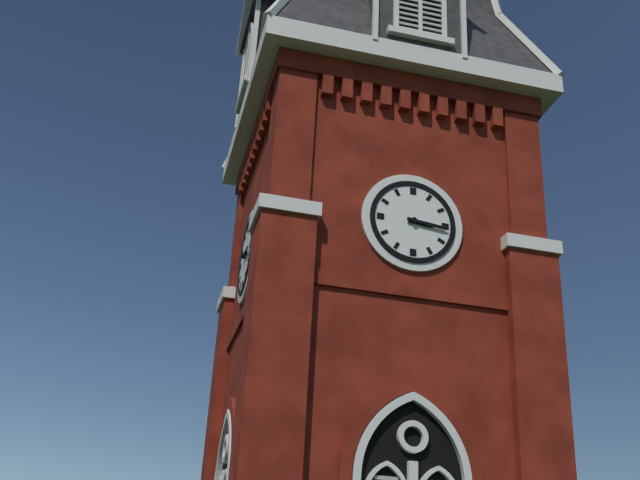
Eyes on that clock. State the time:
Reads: 3:16
